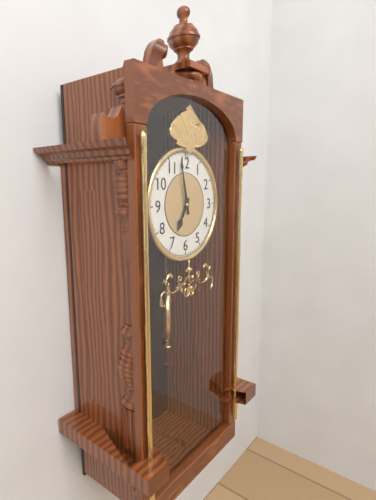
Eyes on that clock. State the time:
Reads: 6:58
